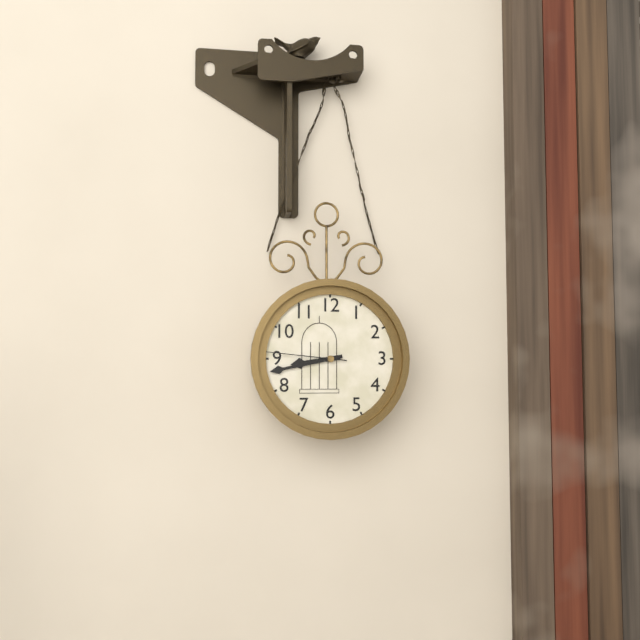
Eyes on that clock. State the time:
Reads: 8:43:46
